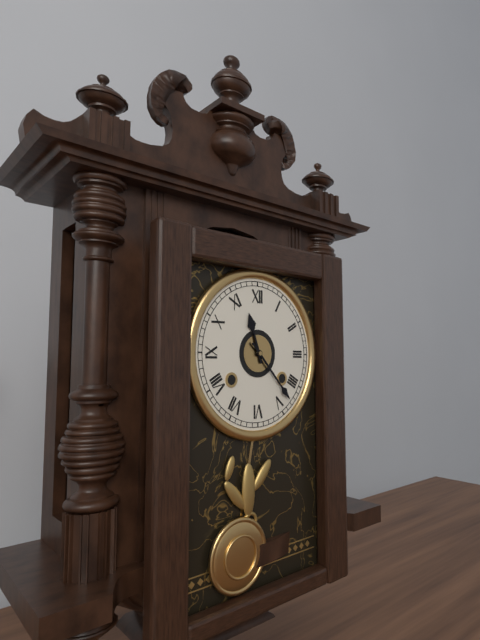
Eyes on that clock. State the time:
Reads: 11:23
